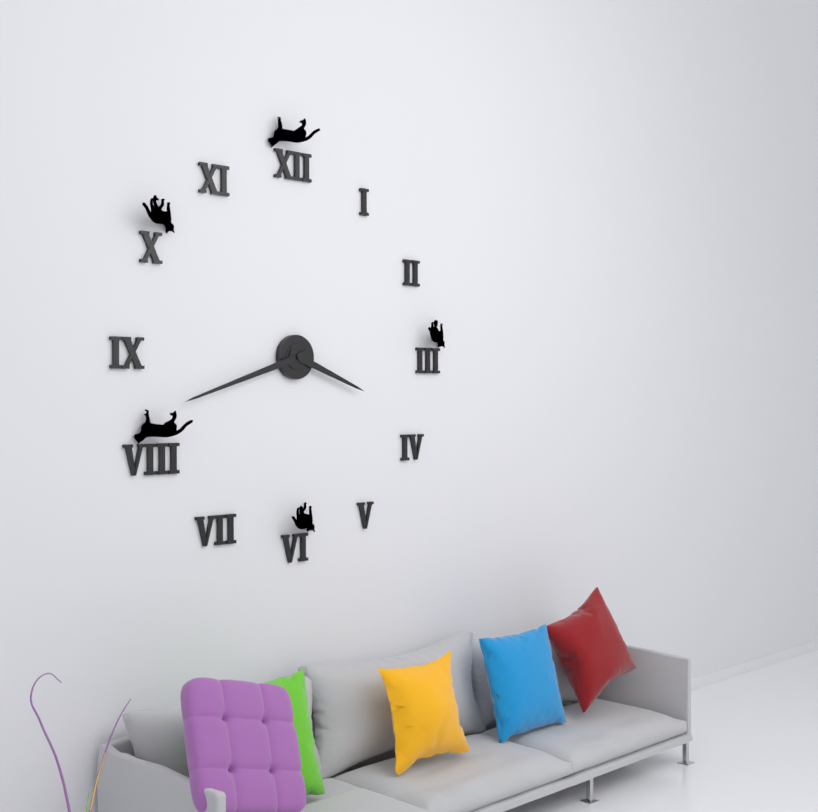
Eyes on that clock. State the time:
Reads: 3:42
